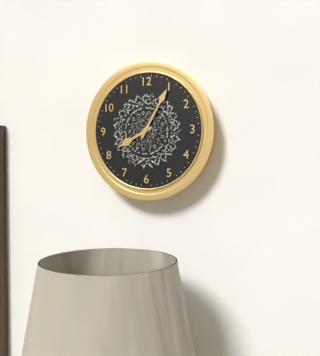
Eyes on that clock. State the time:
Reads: 8:05
